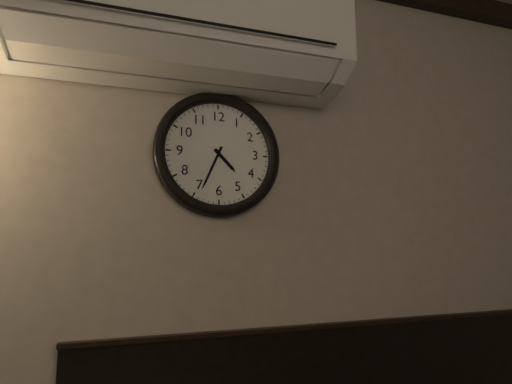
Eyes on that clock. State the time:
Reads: 4:34
